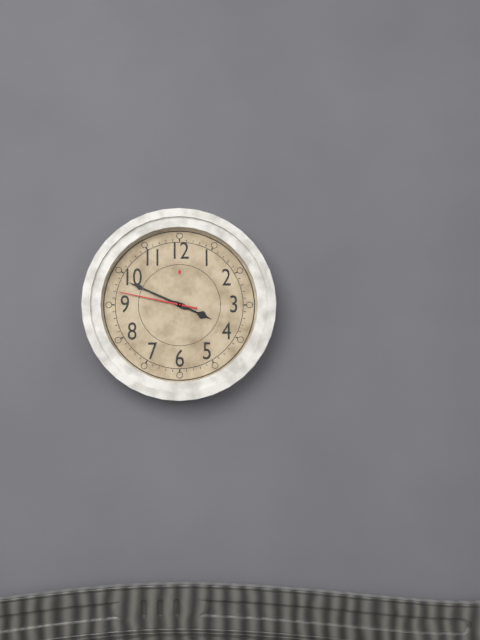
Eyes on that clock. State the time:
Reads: 3:49:47
